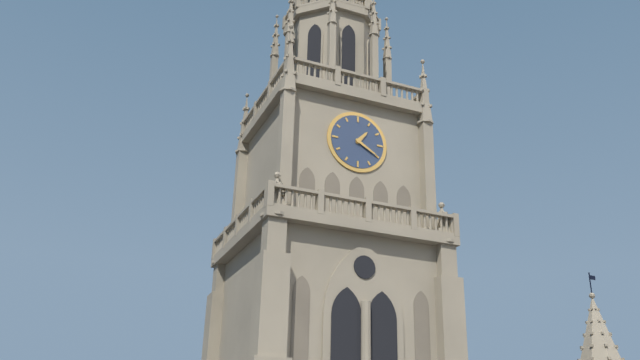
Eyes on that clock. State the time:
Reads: 1:20
